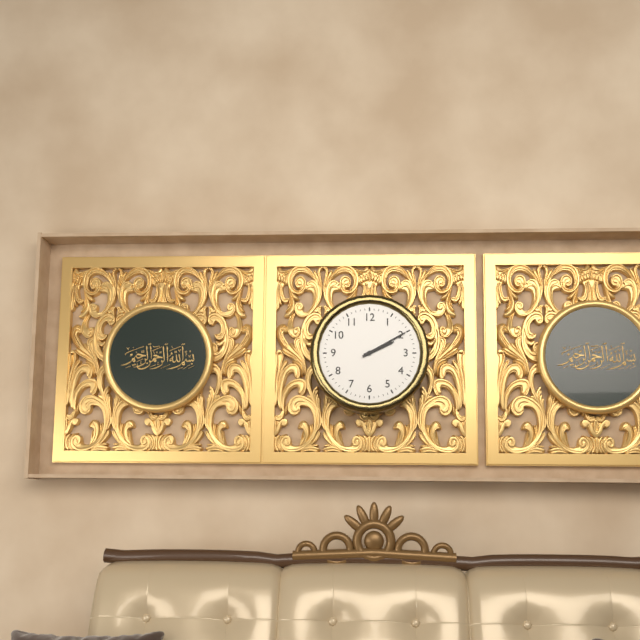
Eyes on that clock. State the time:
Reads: 2:10
